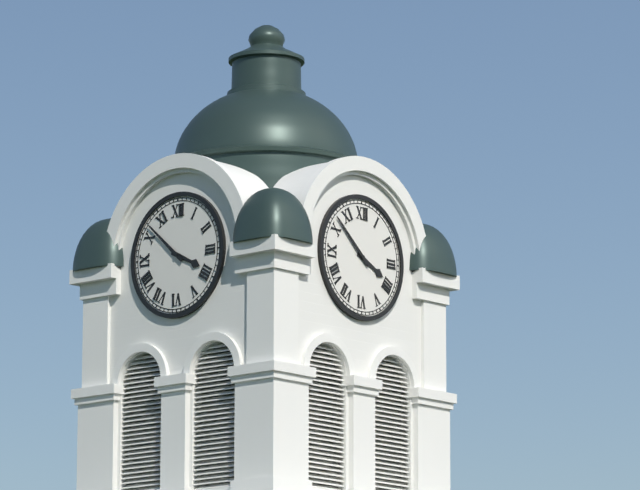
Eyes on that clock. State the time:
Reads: 3:52
